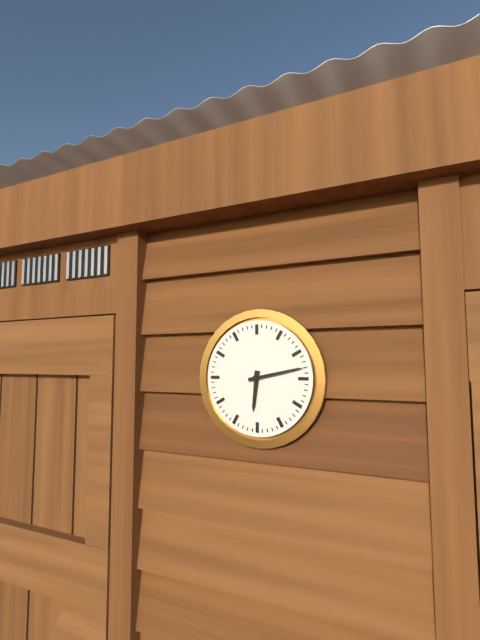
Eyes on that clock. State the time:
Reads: 6:13
